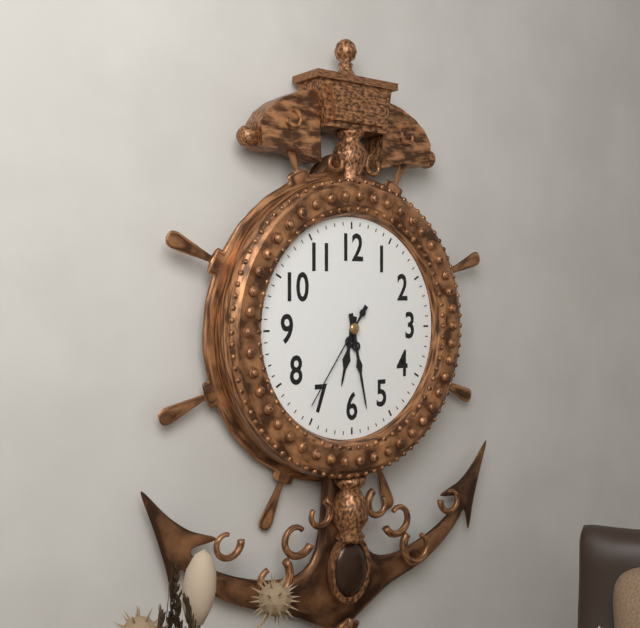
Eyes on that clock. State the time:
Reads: 6:28:36
